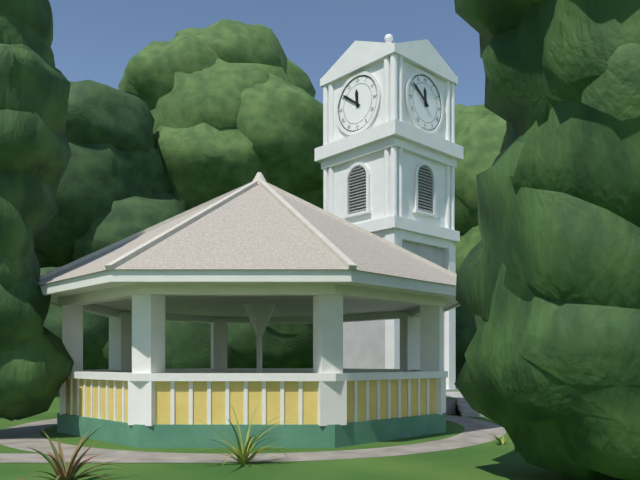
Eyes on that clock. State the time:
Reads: 11:51
